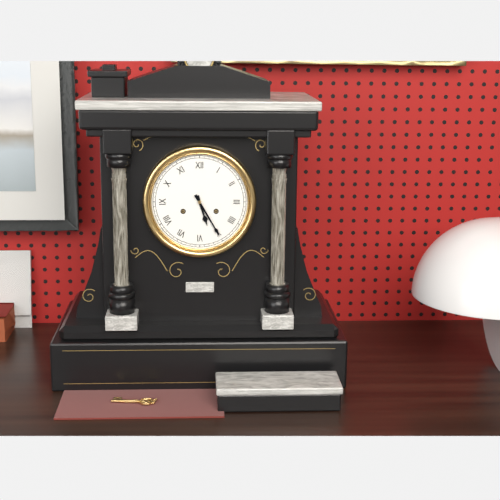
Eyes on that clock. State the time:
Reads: 5:25
